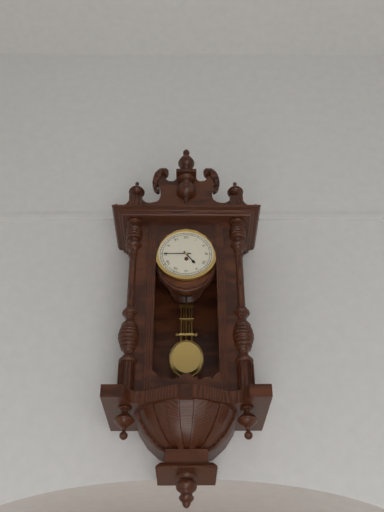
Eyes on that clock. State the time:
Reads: 4:45
